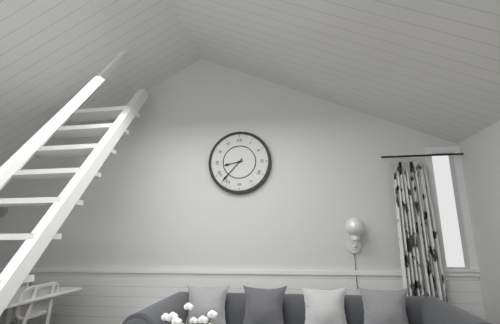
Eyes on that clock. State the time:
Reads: 8:37
